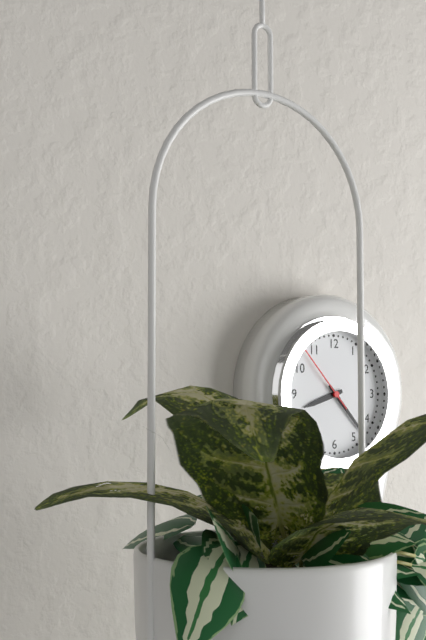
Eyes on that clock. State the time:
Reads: 8:23:53
